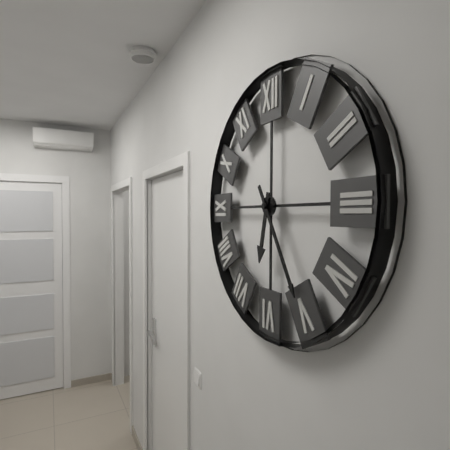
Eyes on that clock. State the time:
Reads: 6:25
